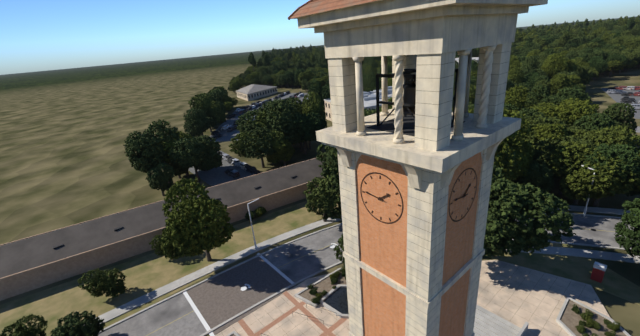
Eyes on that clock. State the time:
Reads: 1:46
